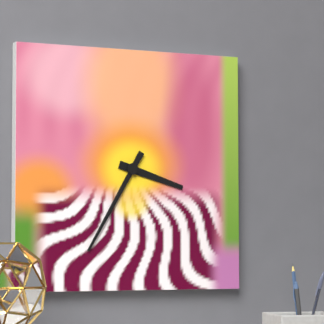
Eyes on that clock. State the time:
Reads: 3:35
